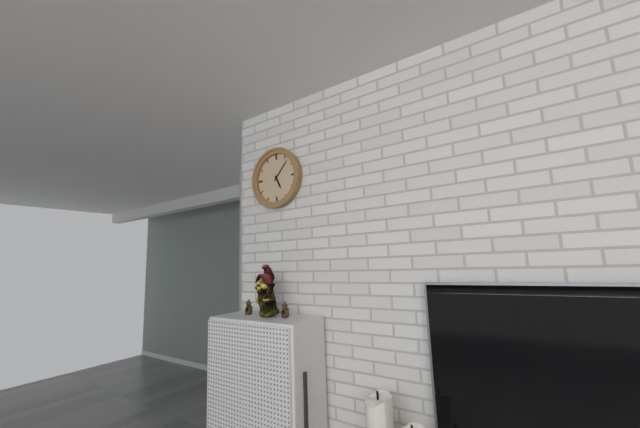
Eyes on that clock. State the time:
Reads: 5:07
